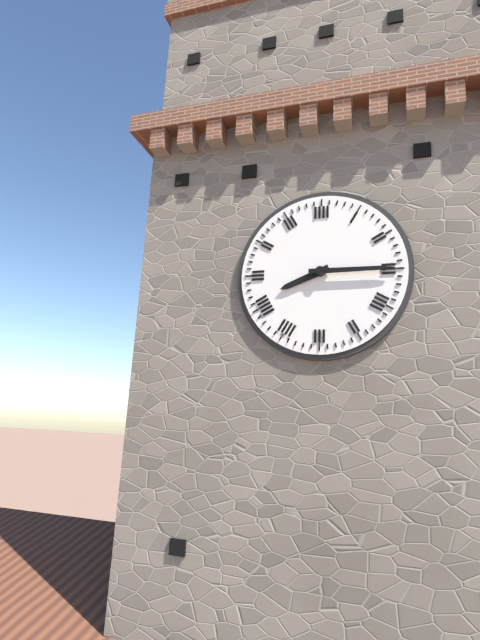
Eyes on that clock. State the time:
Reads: 8:15
